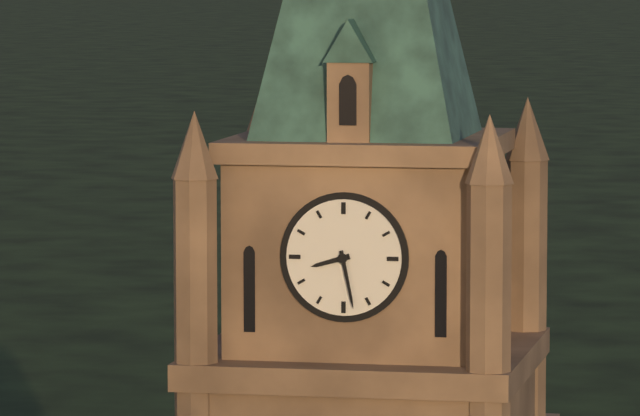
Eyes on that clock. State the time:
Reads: 8:28
